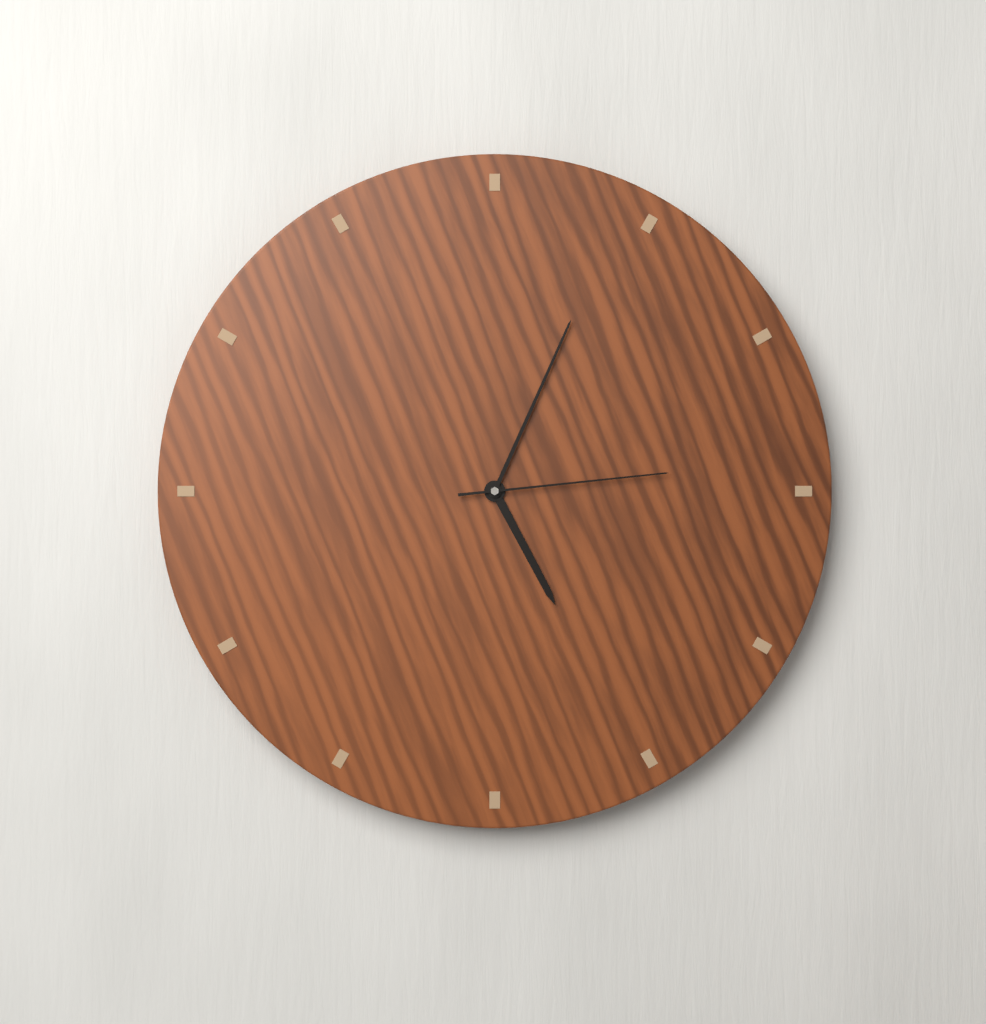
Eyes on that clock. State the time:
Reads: 5:04:14
